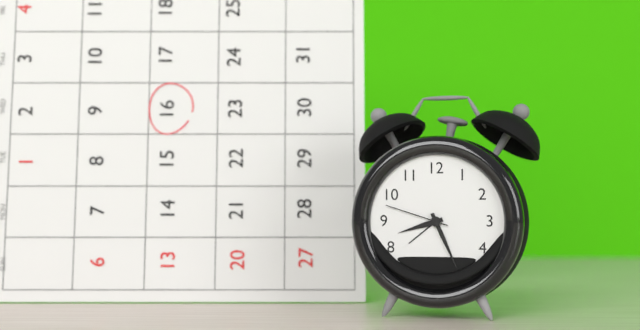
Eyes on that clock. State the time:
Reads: 8:26:48
